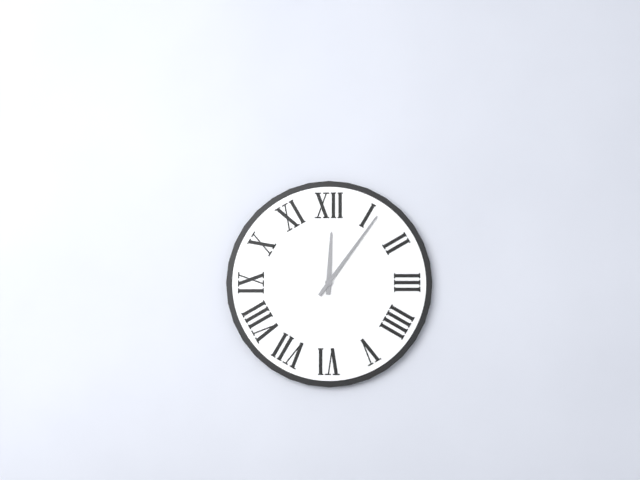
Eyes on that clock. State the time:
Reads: 12:06
